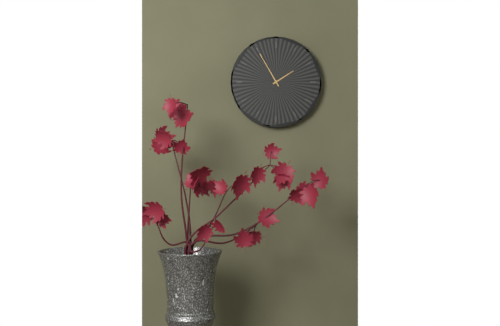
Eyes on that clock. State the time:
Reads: 1:55
